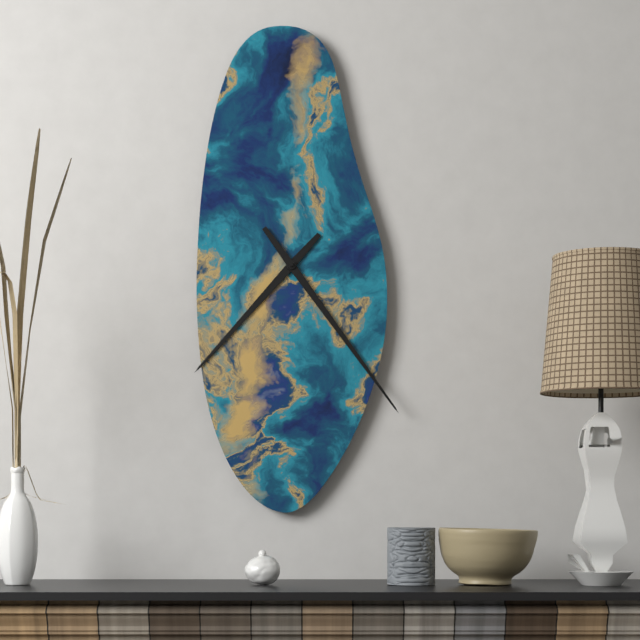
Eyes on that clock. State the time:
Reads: 7:24
